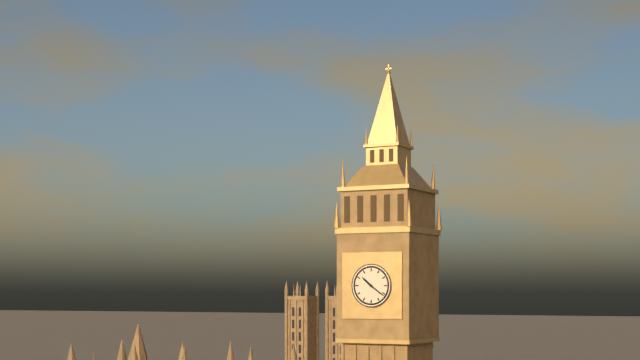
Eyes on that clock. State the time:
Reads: 10:21
